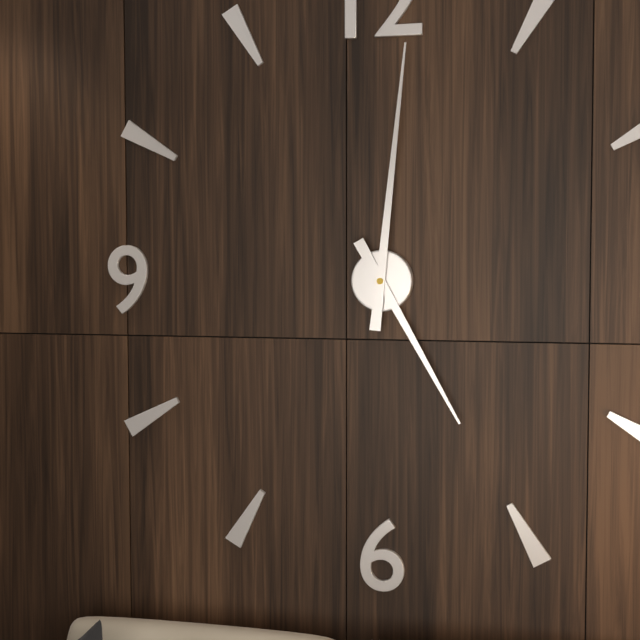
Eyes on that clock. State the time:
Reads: 5:01
